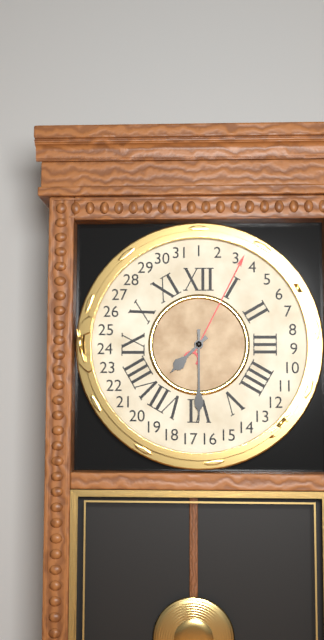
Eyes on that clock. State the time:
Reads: 7:30
